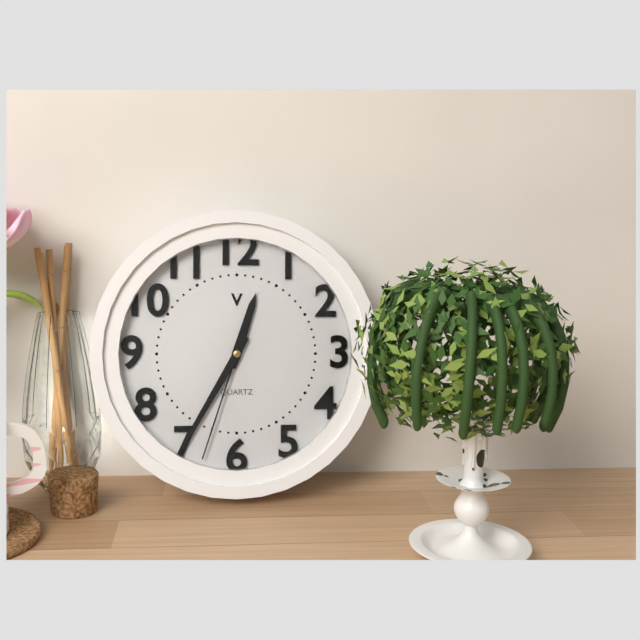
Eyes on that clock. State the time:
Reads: 12:35:33
